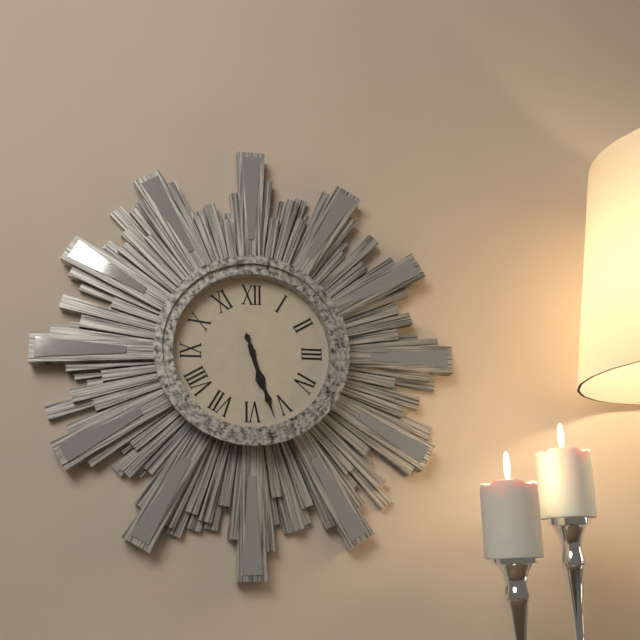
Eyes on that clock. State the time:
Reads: 5:27
